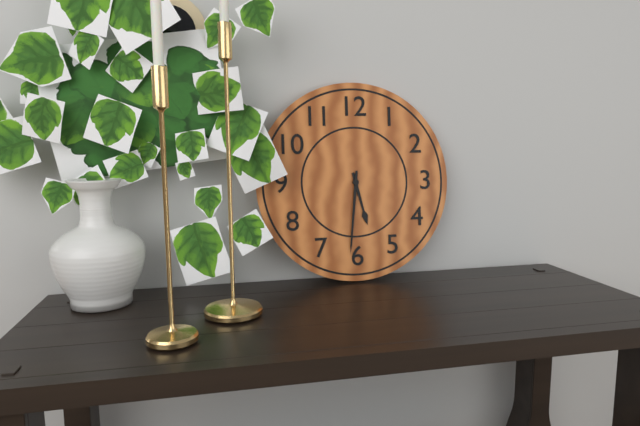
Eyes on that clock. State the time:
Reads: 5:31
